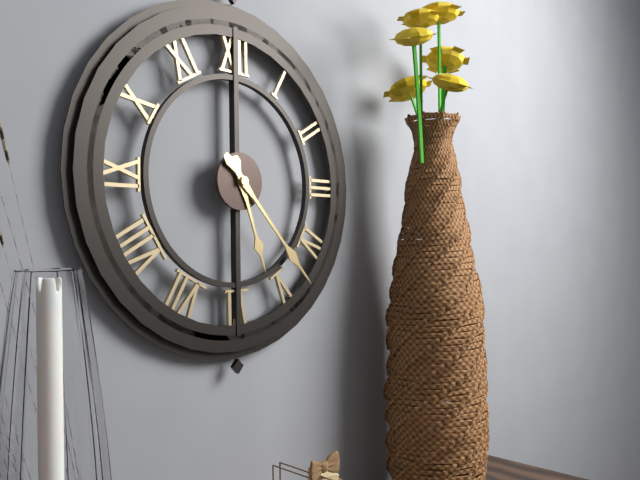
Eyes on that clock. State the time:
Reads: 5:23
